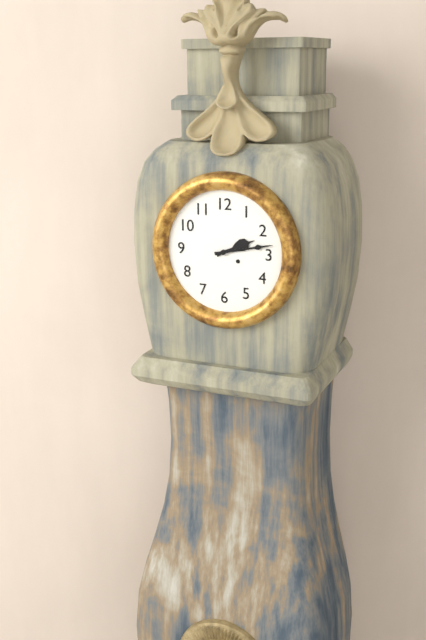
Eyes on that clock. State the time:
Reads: 2:13
